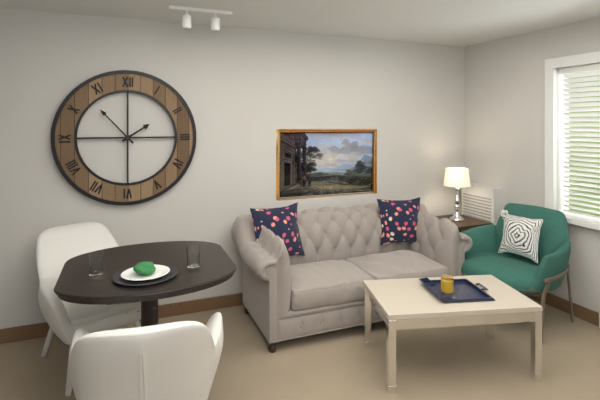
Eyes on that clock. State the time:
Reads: 1:53
